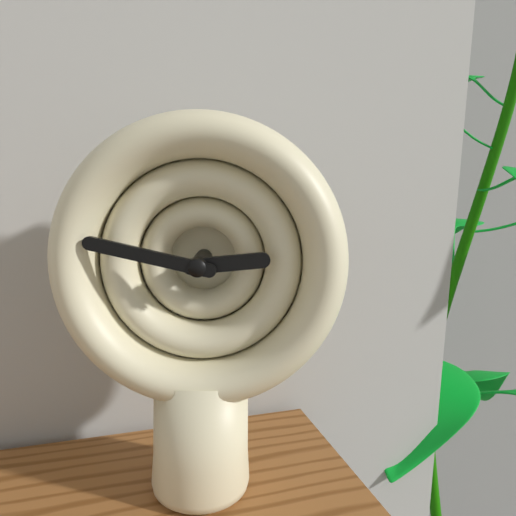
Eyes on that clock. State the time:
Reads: 2:47
